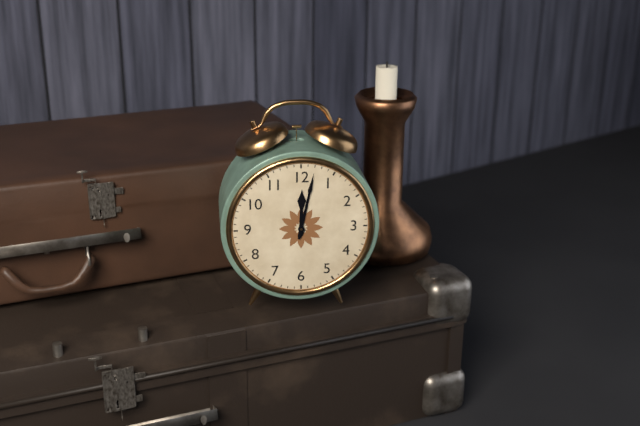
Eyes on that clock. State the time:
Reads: 12:02
